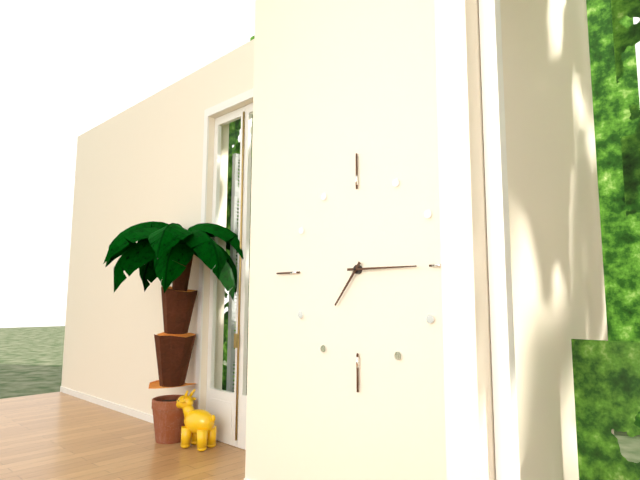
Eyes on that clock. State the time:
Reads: 7:15
